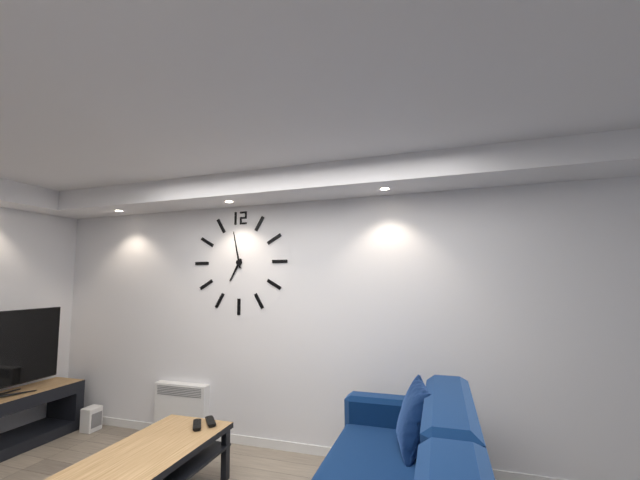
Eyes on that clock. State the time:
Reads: 6:58
